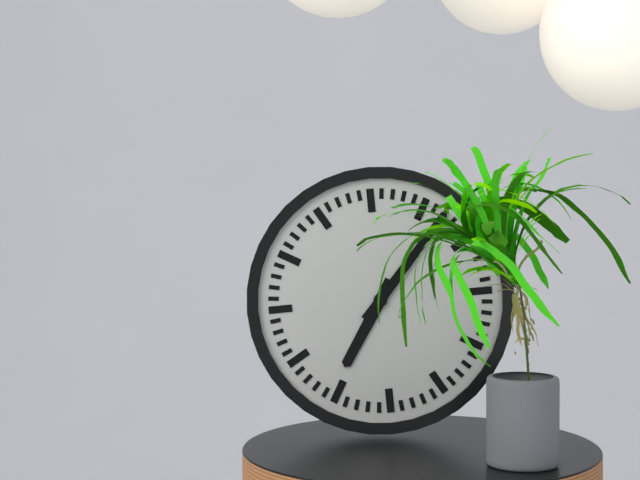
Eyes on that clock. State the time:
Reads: 7:07
